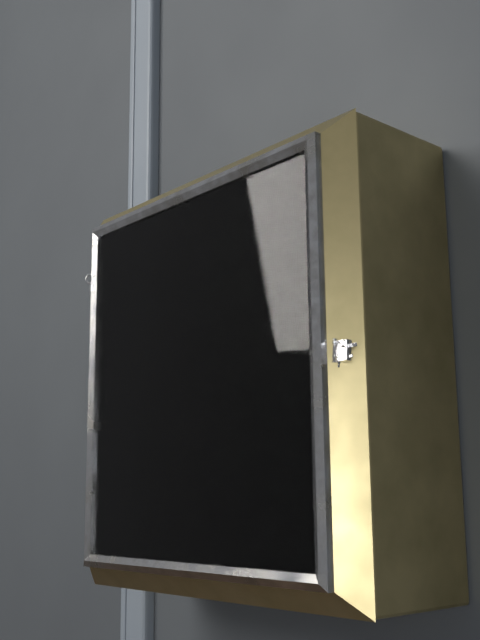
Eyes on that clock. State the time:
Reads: 5:25
